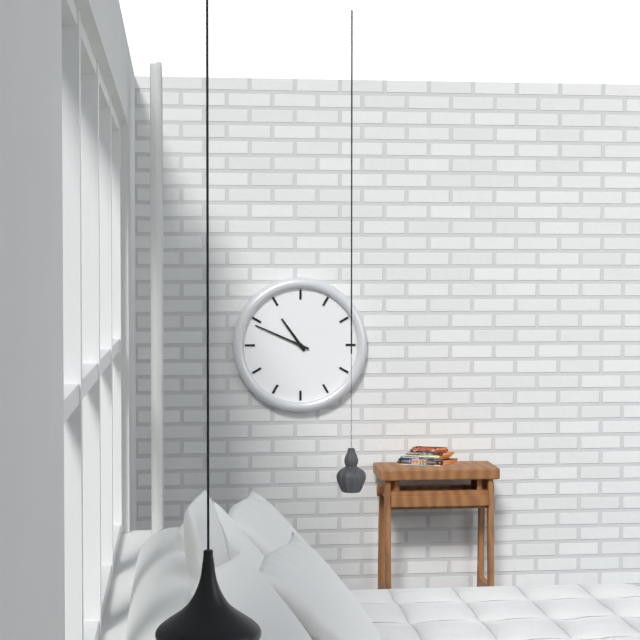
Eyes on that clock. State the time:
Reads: 10:49
